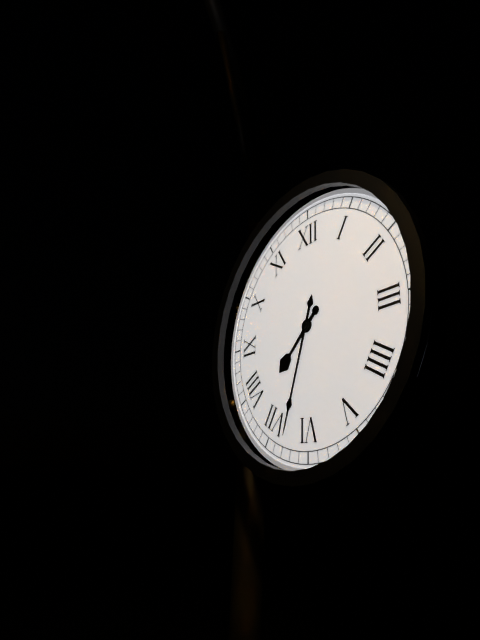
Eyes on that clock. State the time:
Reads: 7:33
